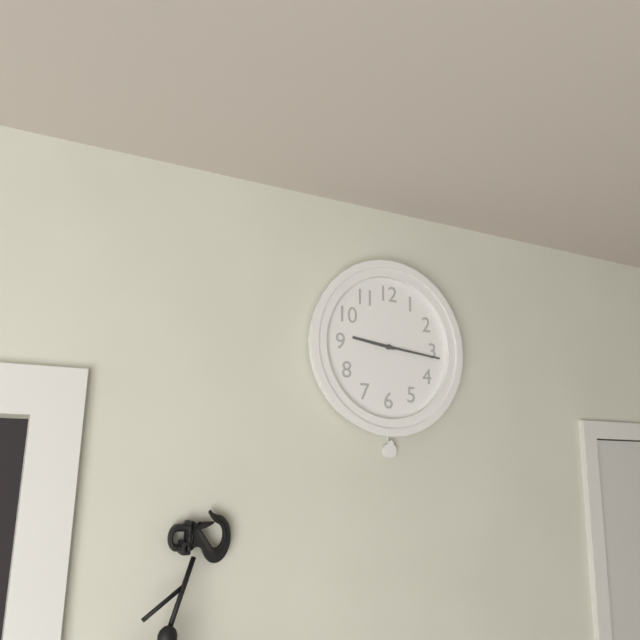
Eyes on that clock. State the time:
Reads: 9:16
